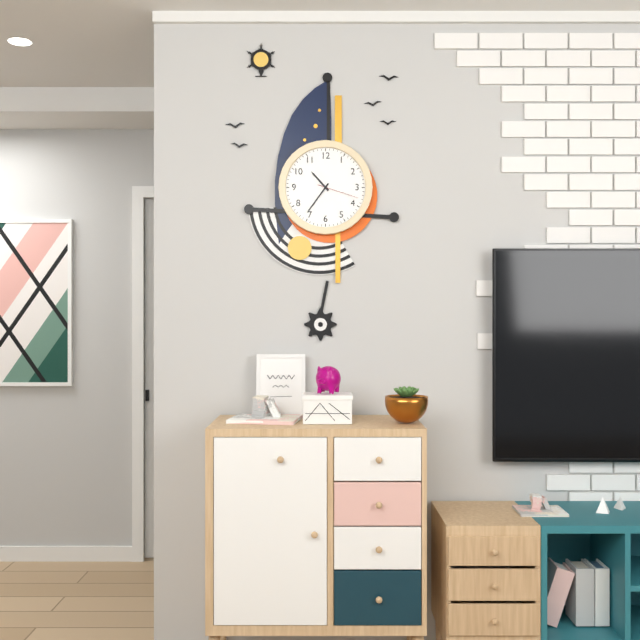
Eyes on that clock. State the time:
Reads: 10:36
